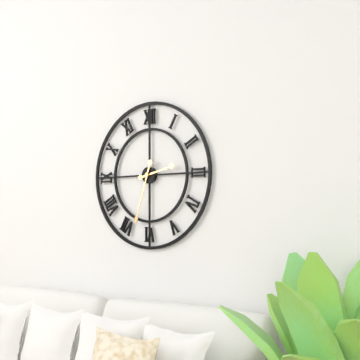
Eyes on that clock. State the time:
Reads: 2:33
